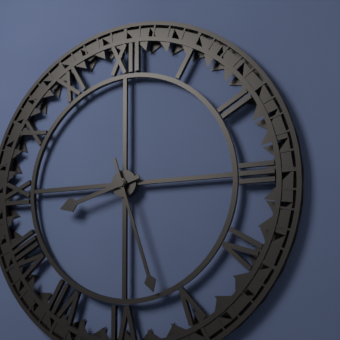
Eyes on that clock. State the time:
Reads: 8:27
